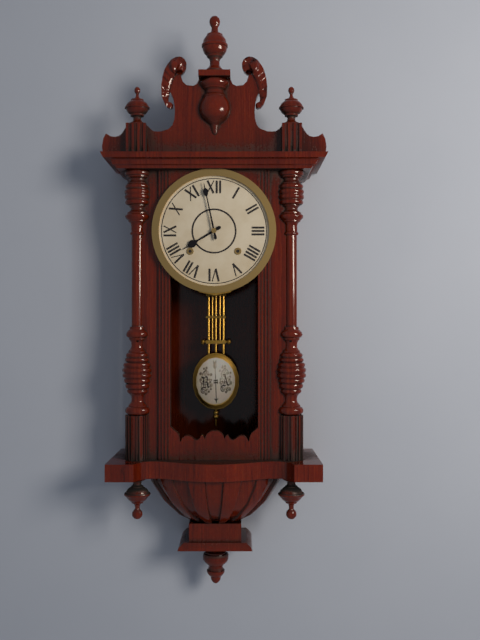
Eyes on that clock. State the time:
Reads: 7:58
